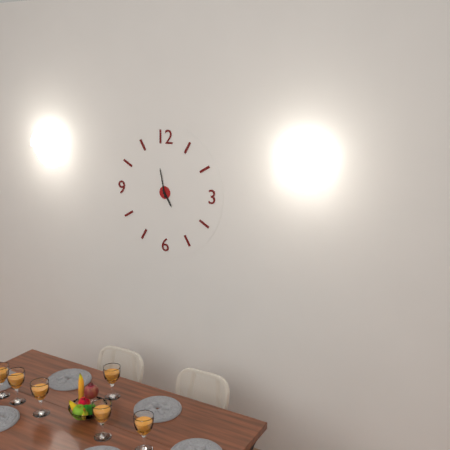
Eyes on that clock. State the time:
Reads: 4:58
